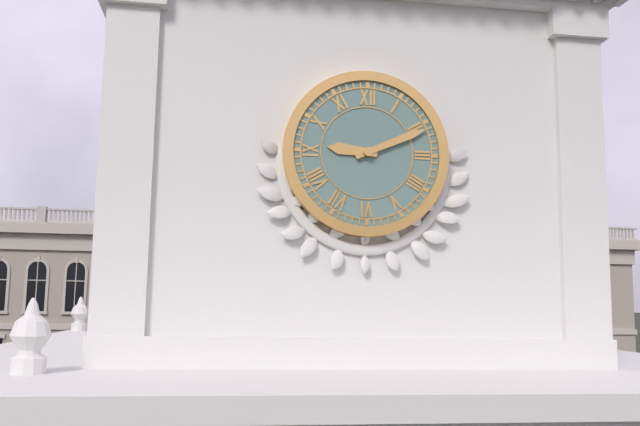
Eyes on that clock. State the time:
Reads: 9:11
